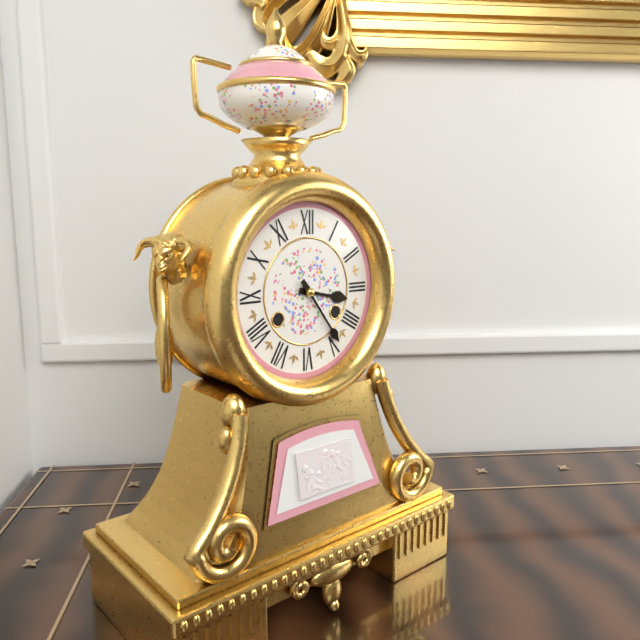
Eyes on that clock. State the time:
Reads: 3:24
